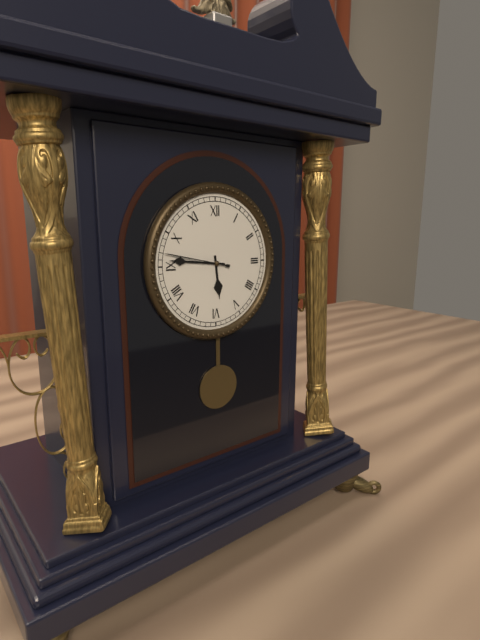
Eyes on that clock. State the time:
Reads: 5:46:47
